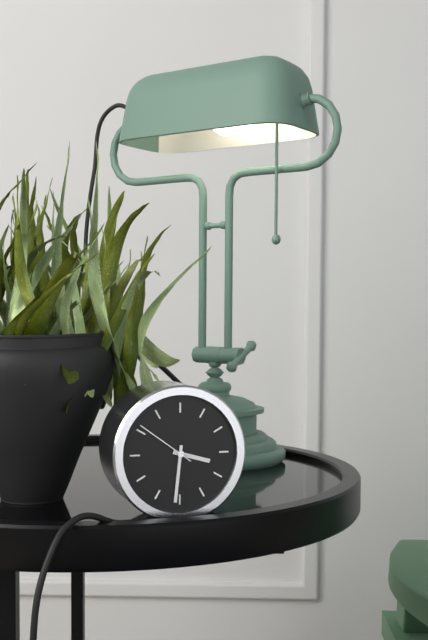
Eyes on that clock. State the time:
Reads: 3:31
